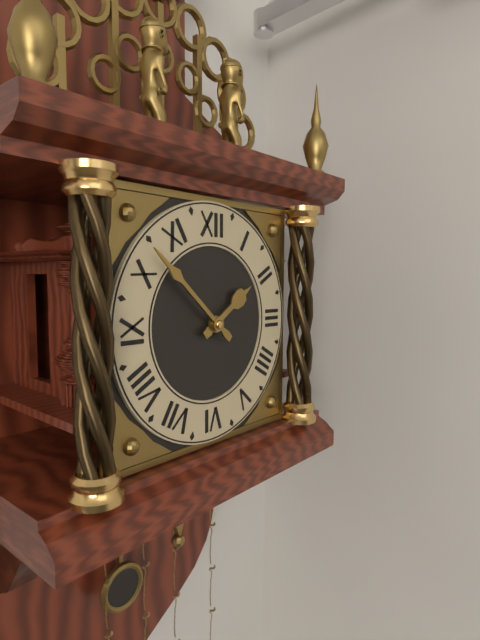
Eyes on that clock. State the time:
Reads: 1:52
